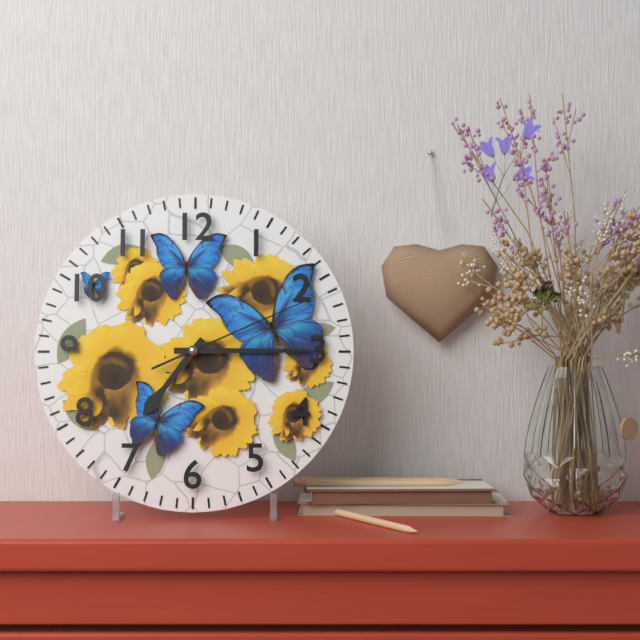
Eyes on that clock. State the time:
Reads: 7:15:11
